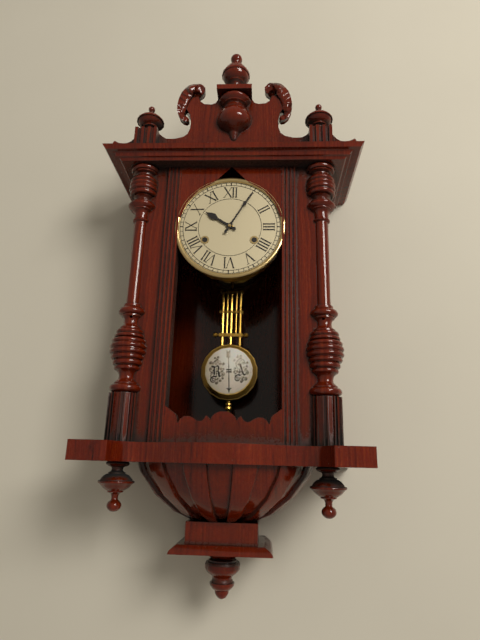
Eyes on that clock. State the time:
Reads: 10:05
